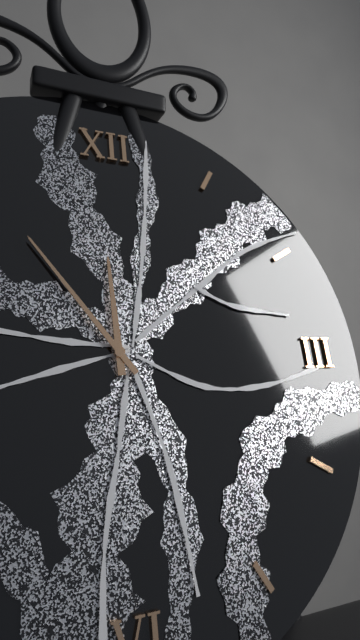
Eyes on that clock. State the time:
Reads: 11:54
